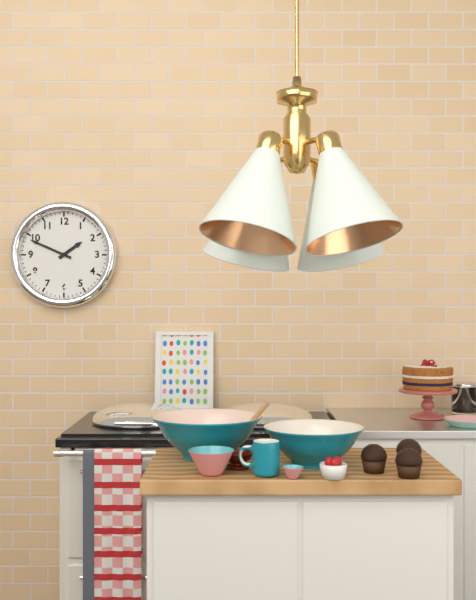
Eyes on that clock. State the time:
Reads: 1:49
